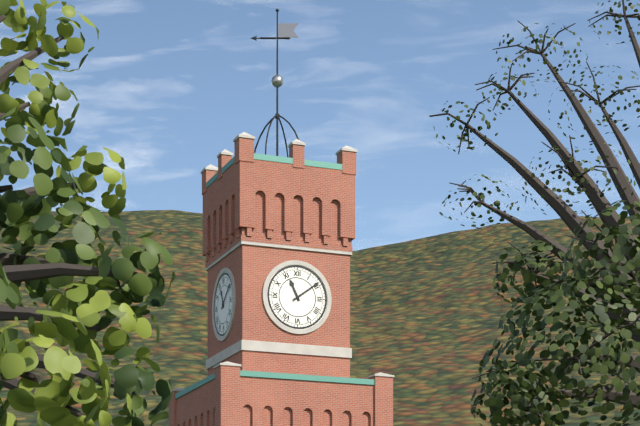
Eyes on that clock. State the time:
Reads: 11:09
